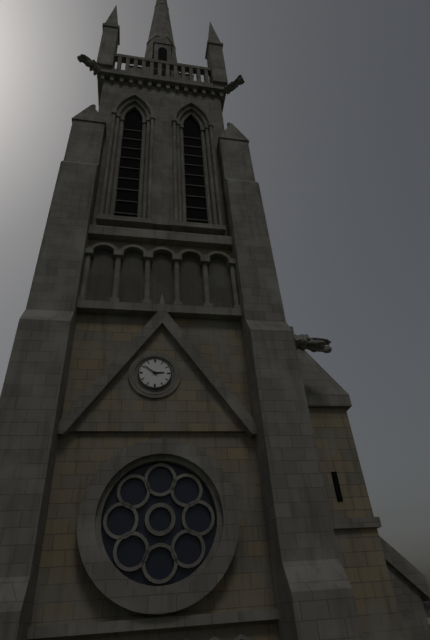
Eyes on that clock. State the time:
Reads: 2:51
